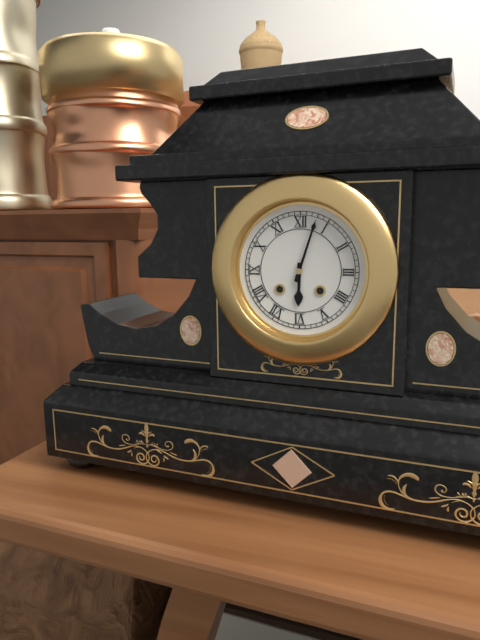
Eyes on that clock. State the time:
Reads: 6:03
